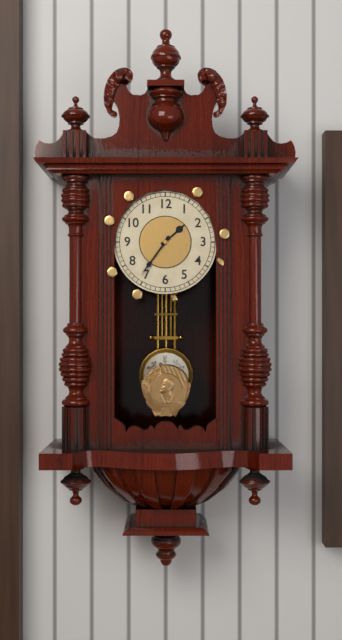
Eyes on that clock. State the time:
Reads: 1:36
